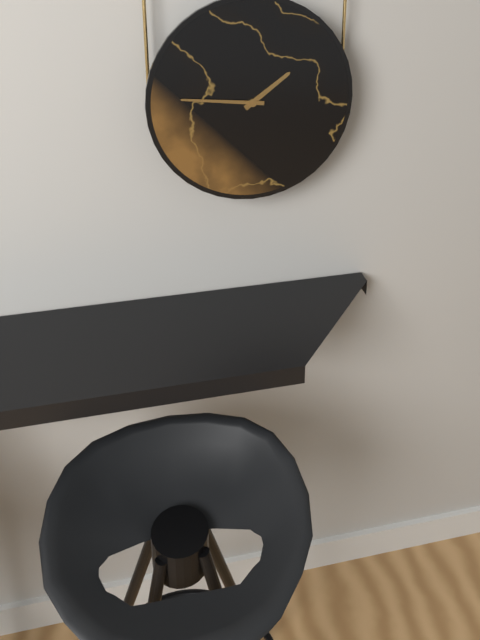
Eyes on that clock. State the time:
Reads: 1:46
